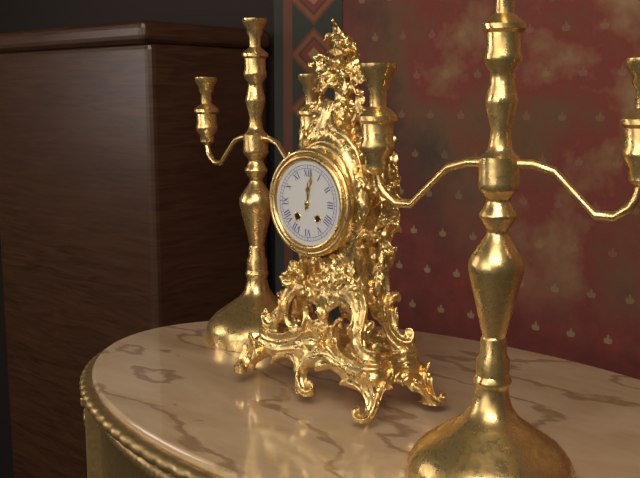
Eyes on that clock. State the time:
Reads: 12:02
